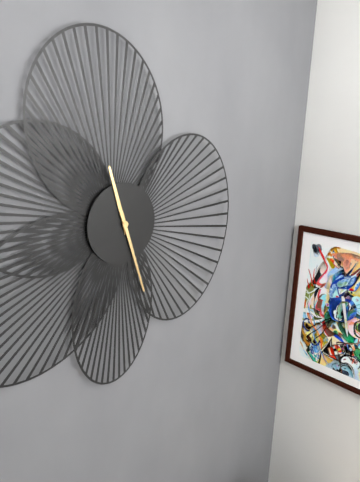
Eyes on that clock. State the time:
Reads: 11:27
